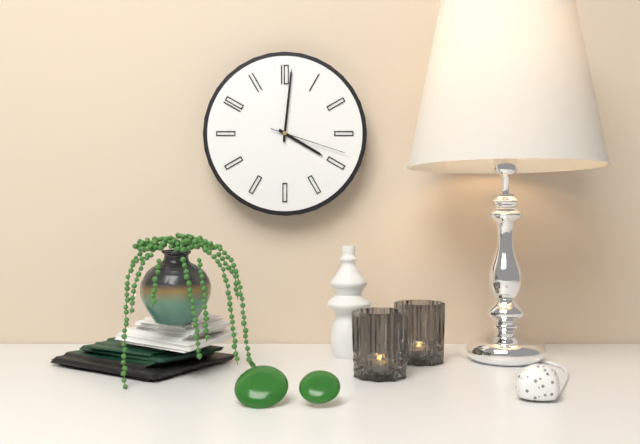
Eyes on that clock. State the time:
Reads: 4:01:18
